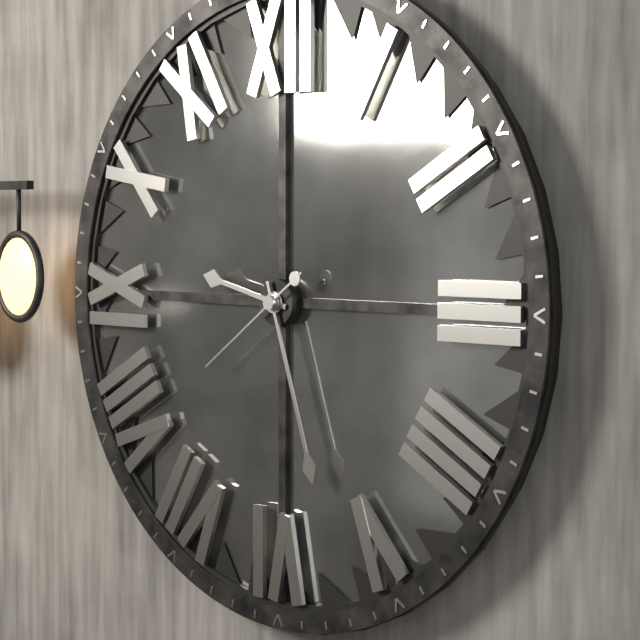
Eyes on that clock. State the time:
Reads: 9:27:39
